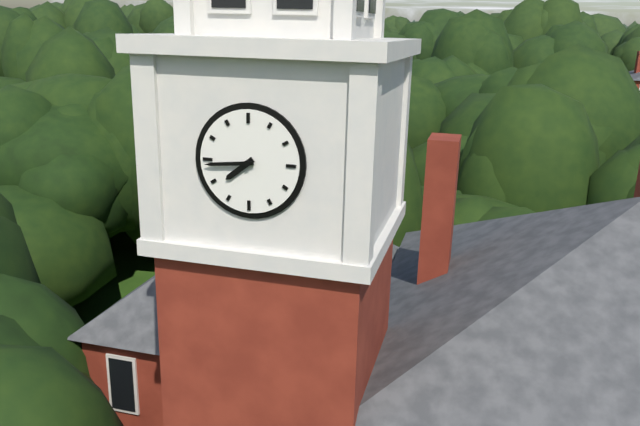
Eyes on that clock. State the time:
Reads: 7:44
